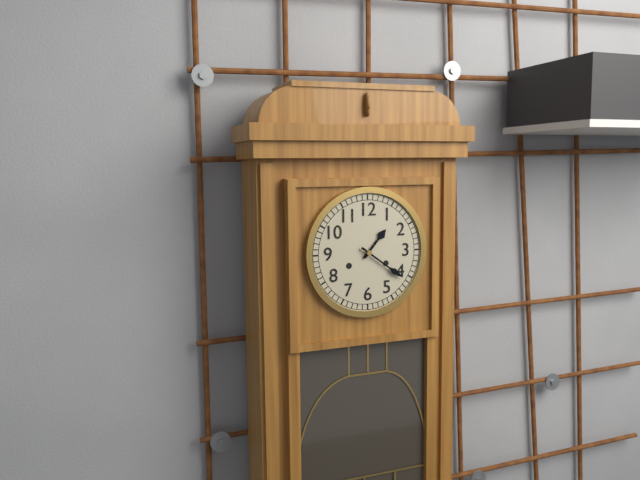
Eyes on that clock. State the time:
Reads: 1:21
